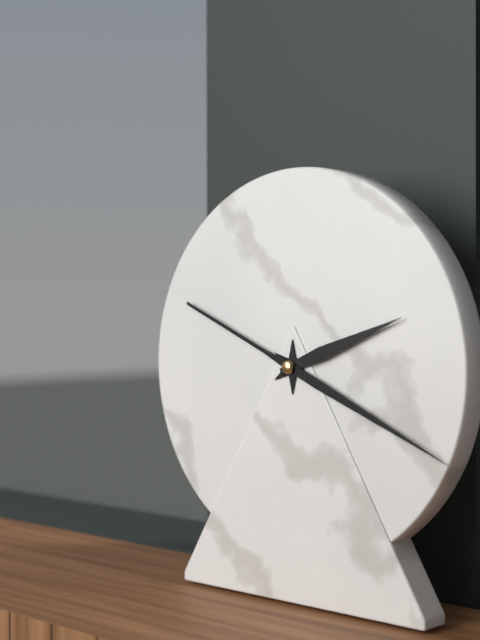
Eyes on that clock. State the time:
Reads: 2:19
